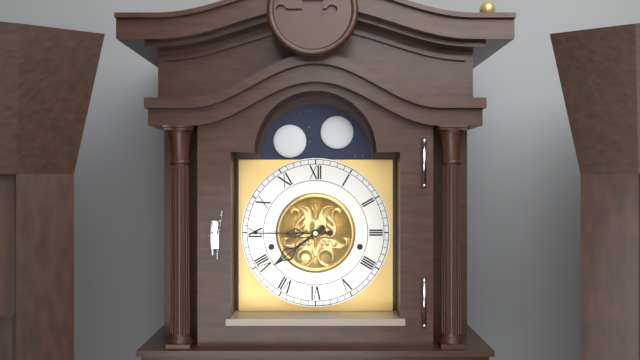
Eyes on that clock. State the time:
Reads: 7:45
